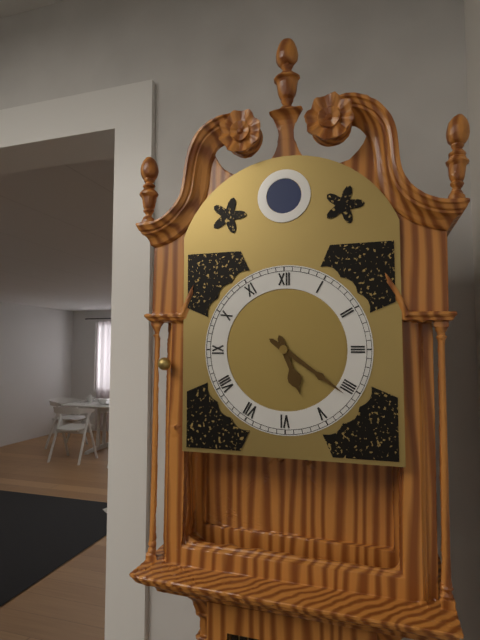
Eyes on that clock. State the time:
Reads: 5:21
